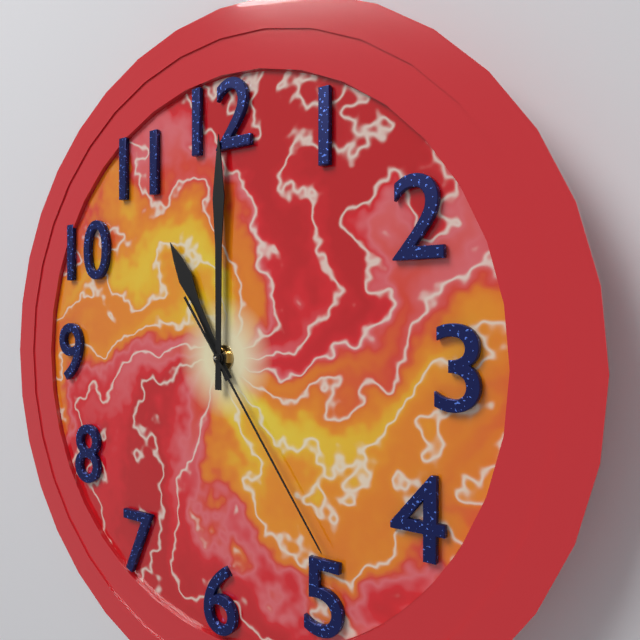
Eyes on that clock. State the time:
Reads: 11:00:24
